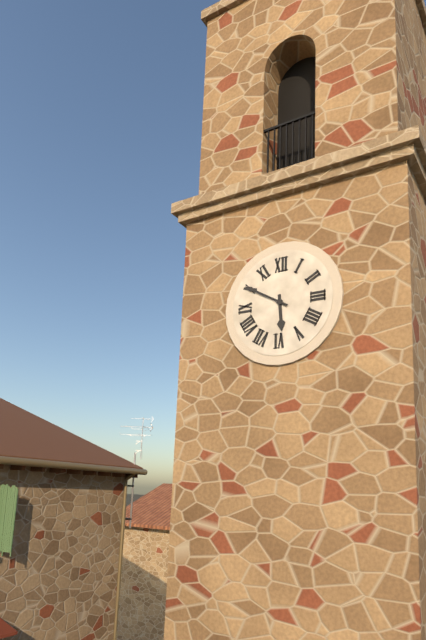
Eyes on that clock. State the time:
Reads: 5:50
